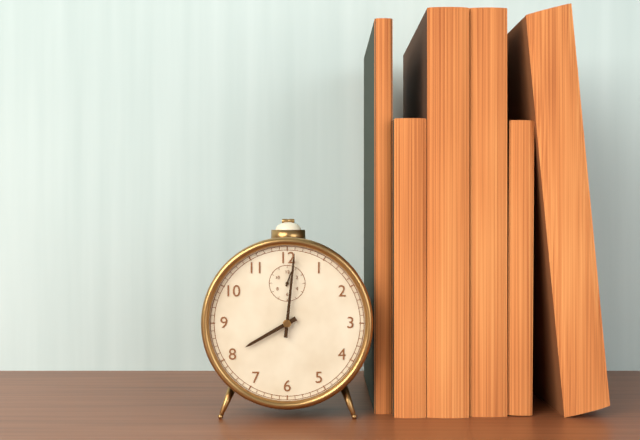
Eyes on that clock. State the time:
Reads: 8:01
